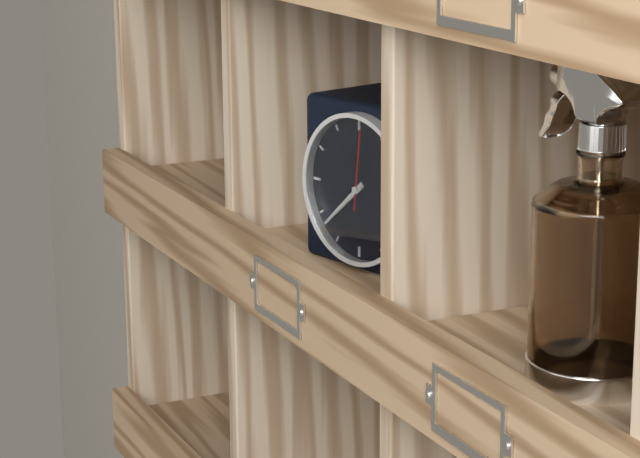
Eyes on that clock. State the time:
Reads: 7:38:01
